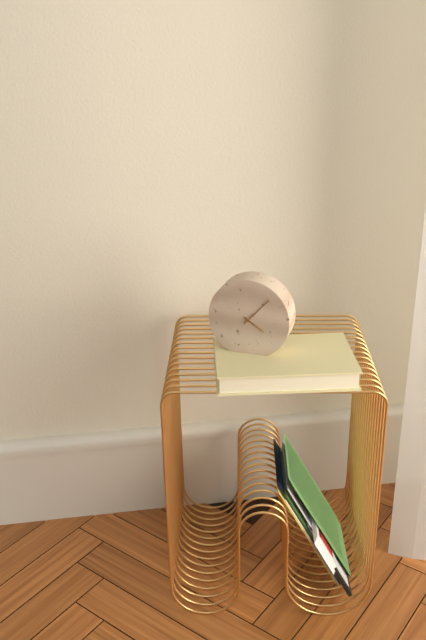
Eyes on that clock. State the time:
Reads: 4:07
